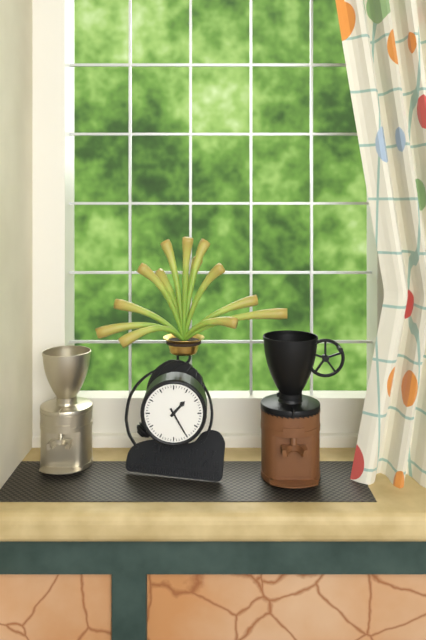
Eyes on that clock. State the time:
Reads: 1:25
